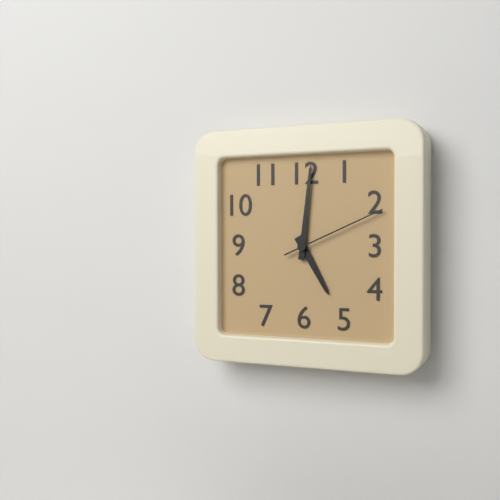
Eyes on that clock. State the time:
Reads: 5:01:11
